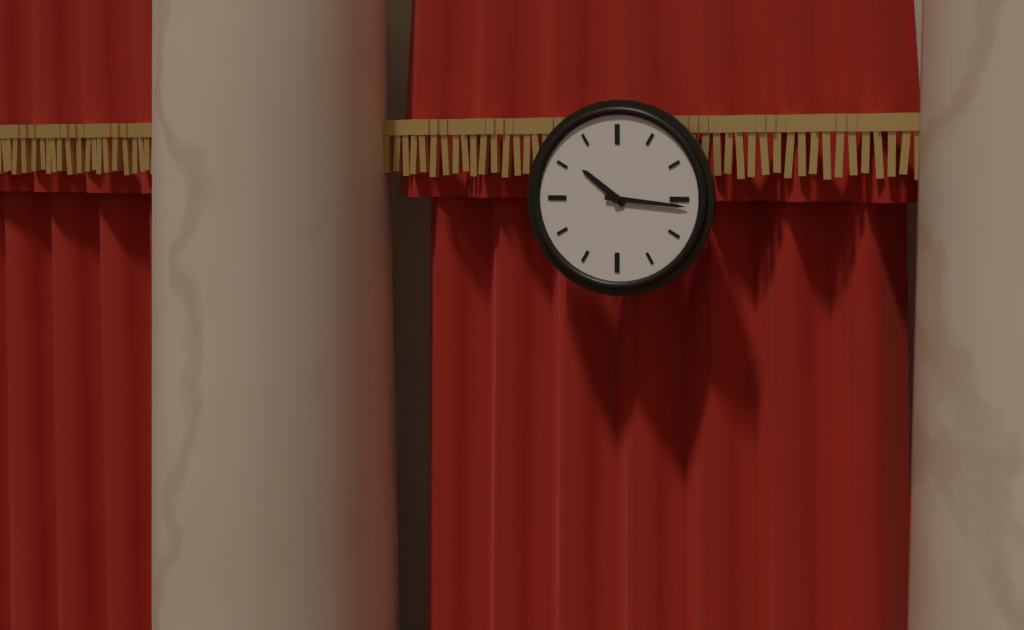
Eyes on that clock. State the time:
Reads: 10:16
